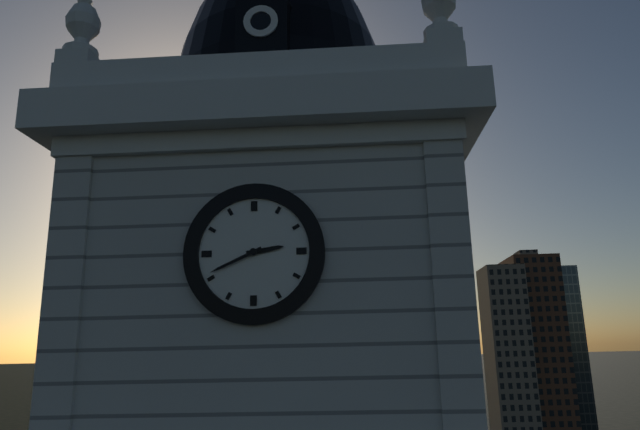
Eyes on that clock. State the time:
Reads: 2:41
